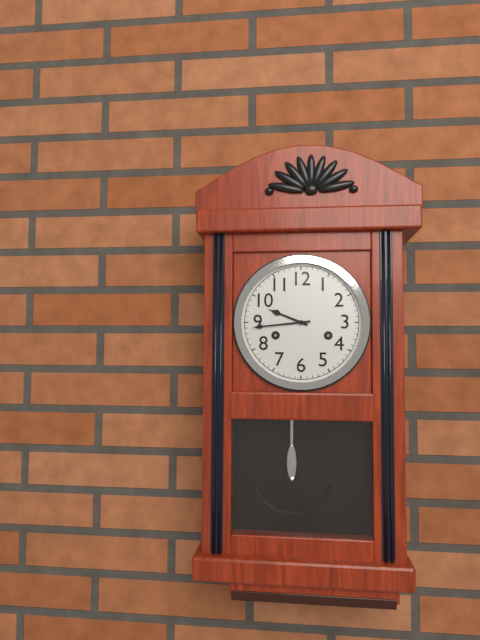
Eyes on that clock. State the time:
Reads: 9:44
